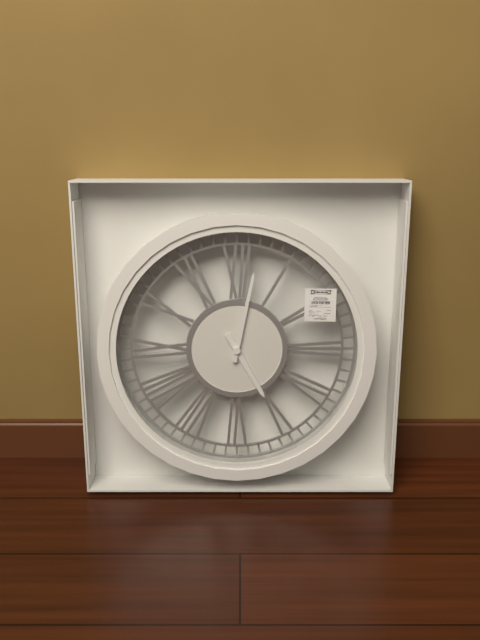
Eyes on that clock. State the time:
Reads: 5:02
